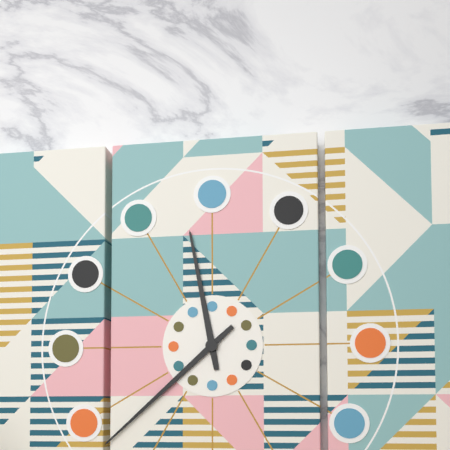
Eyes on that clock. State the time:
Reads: 11:38
